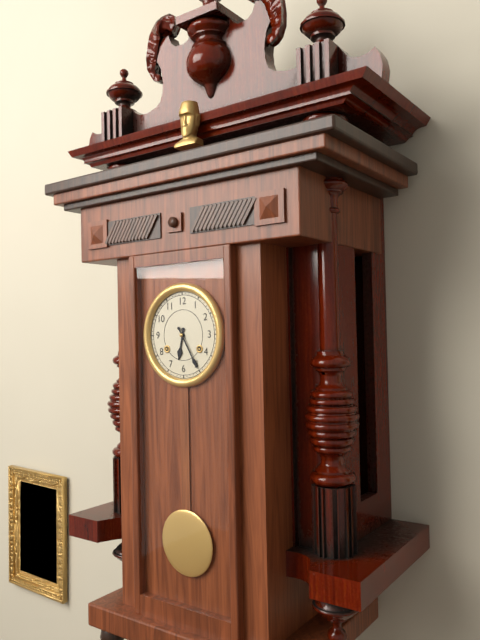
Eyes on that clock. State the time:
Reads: 6:25
